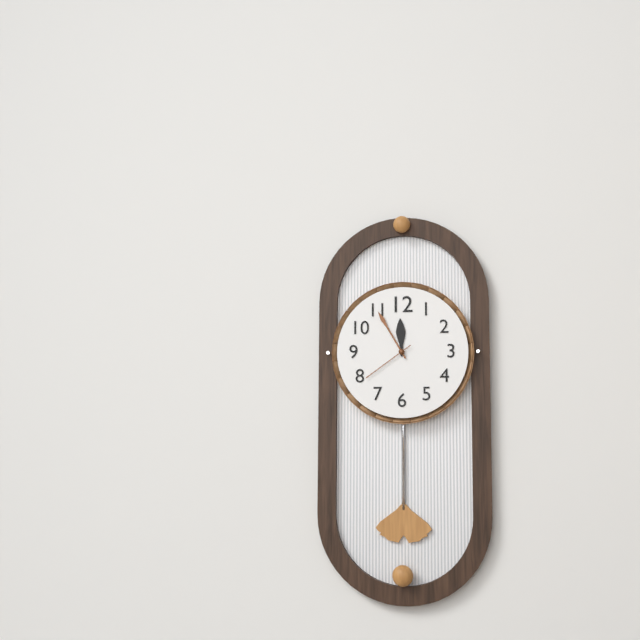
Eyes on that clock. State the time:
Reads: 11:55:39
